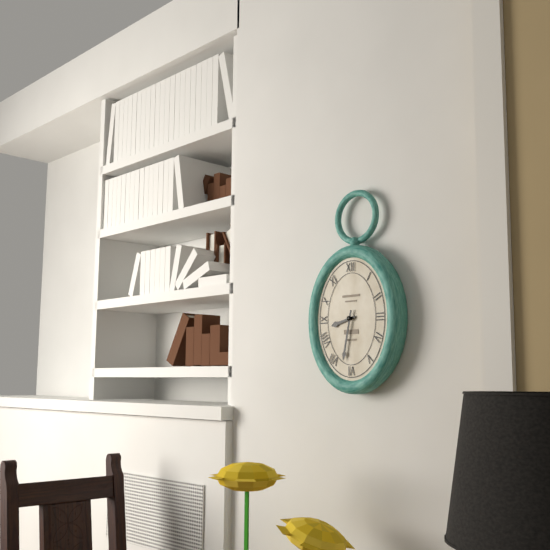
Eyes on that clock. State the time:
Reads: 8:32
